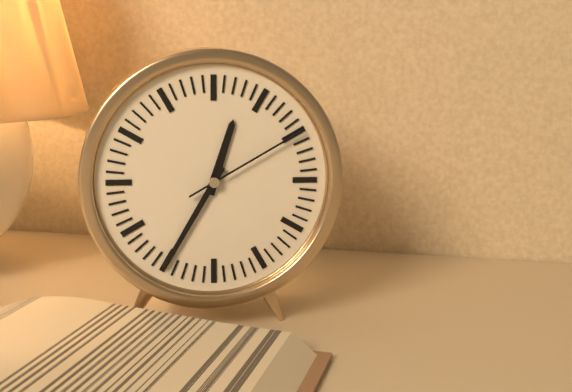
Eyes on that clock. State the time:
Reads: 12:35:10
